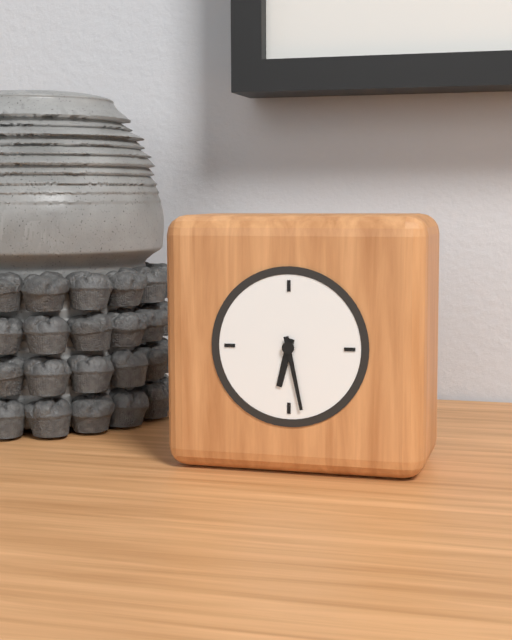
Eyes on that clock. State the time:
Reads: 6:28
